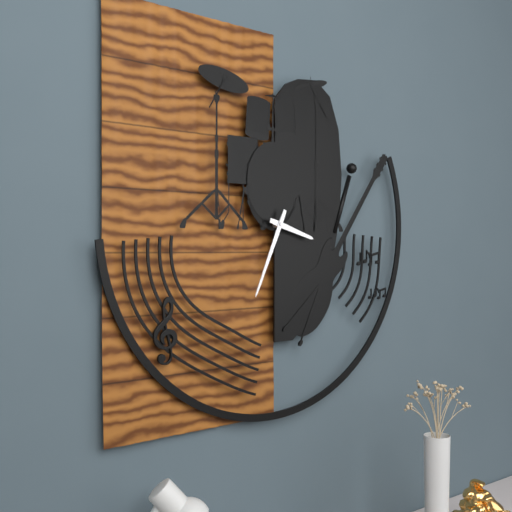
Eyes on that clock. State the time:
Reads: 3:34
